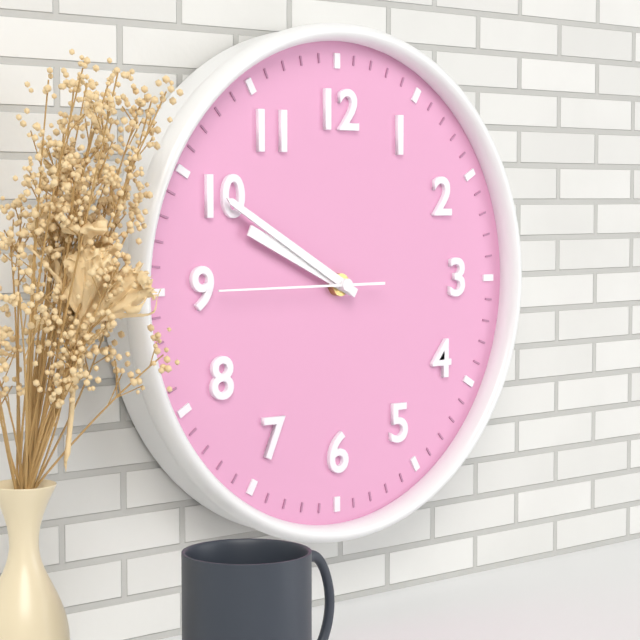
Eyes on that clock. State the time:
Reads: 9:50:45
